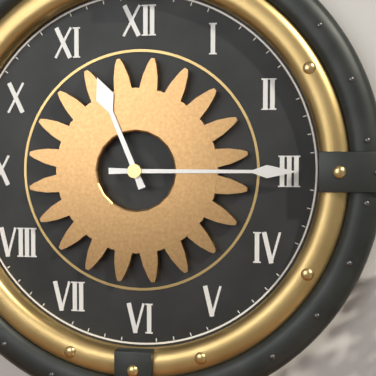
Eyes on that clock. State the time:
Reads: 11:15
